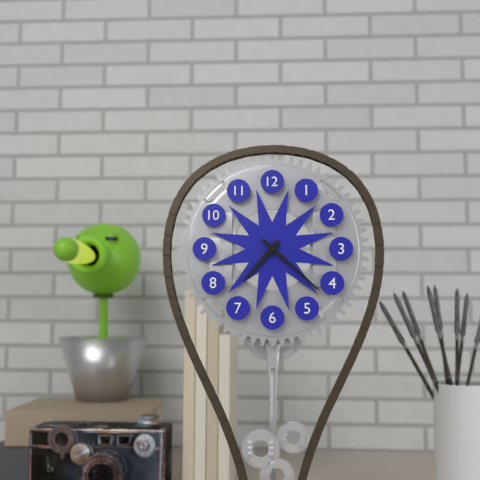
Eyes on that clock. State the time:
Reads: 7:22
